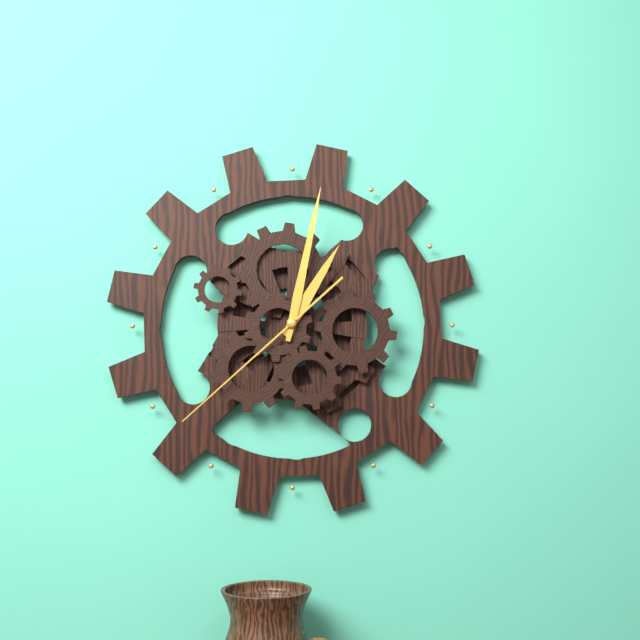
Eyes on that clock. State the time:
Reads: 1:02:38
